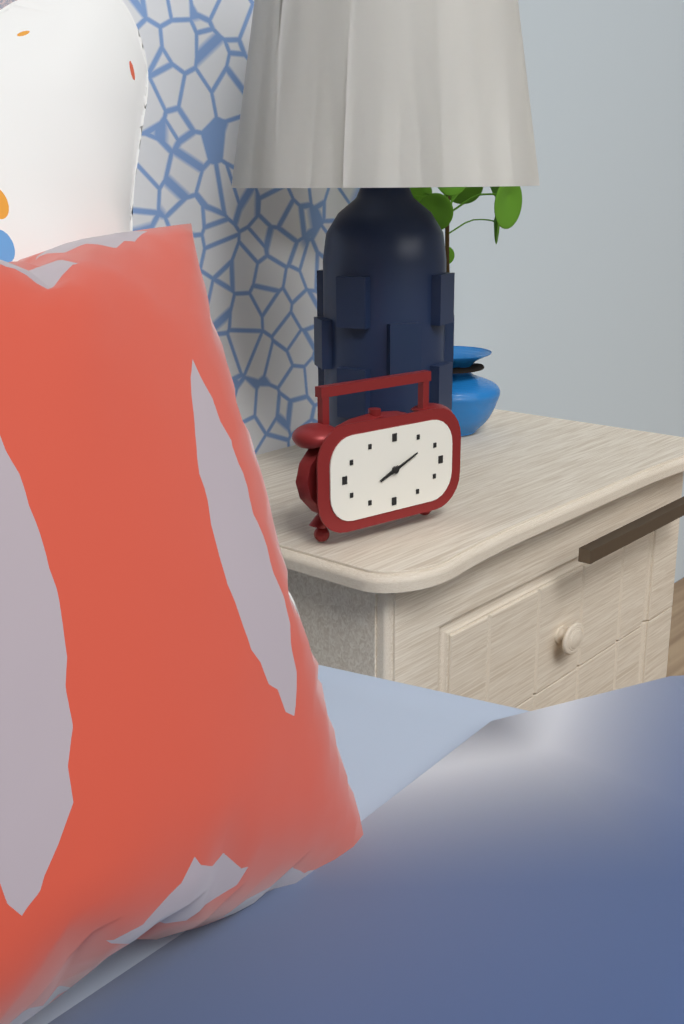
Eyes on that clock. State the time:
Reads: 8:11
